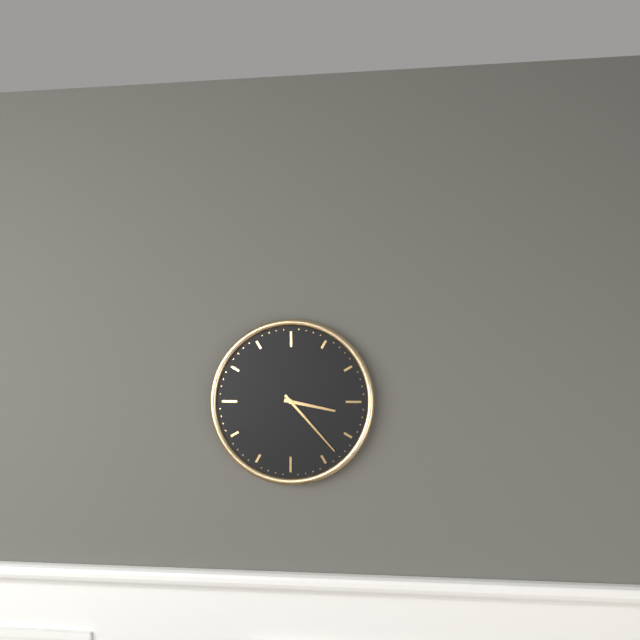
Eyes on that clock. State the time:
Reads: 3:23
